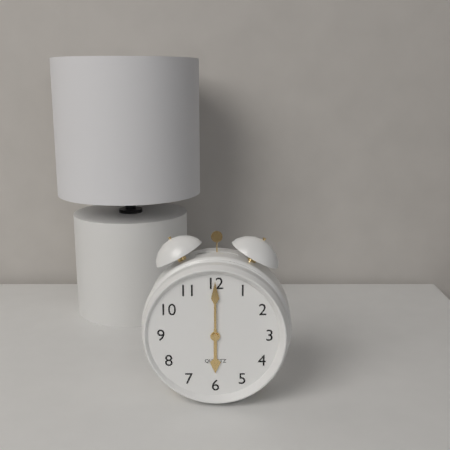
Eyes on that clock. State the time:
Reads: 6:00
